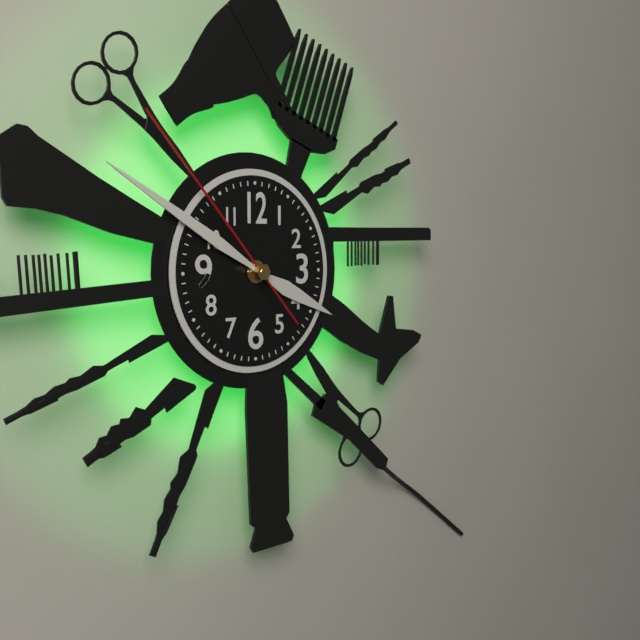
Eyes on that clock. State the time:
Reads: 3:50:53
